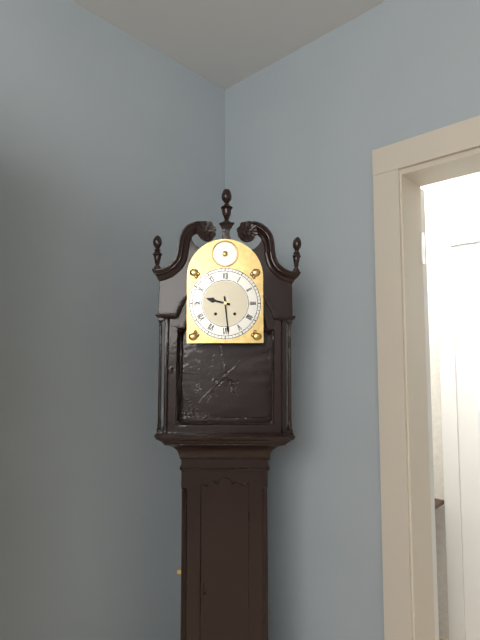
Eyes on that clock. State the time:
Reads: 9:29
